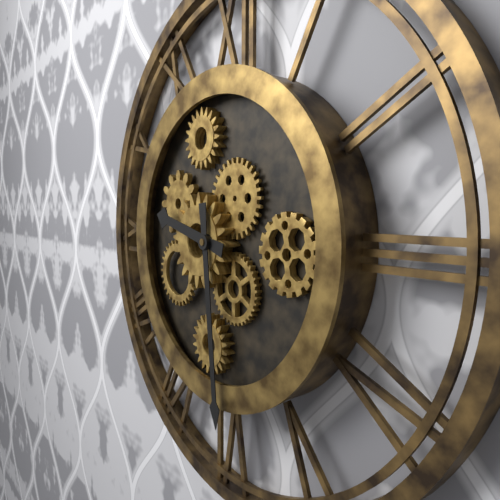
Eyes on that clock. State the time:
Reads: 9:29
